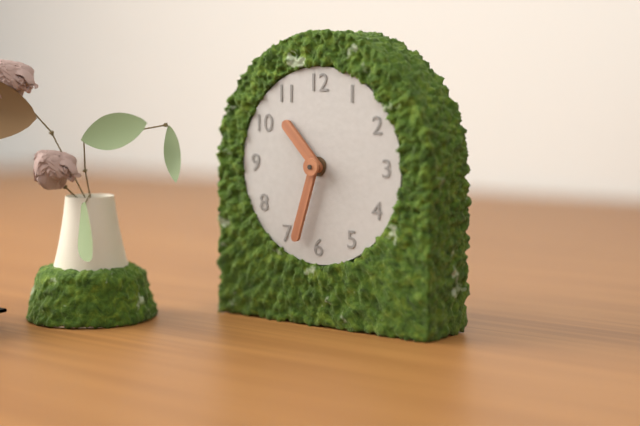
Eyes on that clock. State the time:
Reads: 10:33
